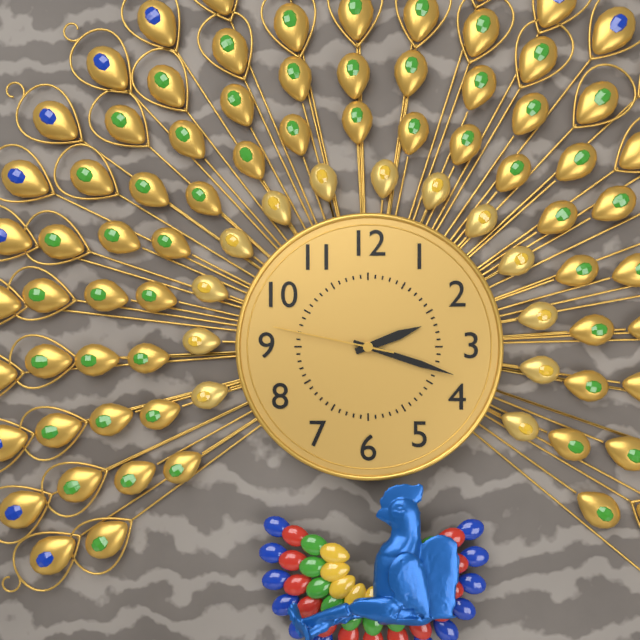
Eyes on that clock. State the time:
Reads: 2:18:47
